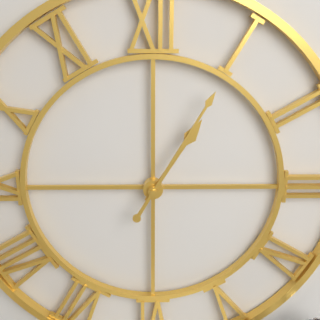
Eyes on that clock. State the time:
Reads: 1:05
